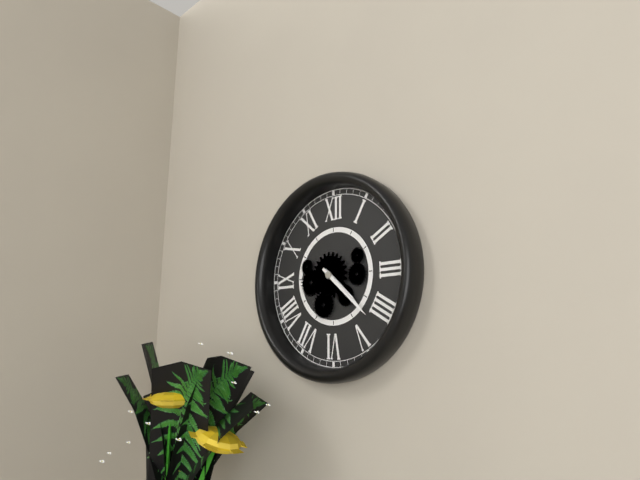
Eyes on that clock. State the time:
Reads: 4:22
